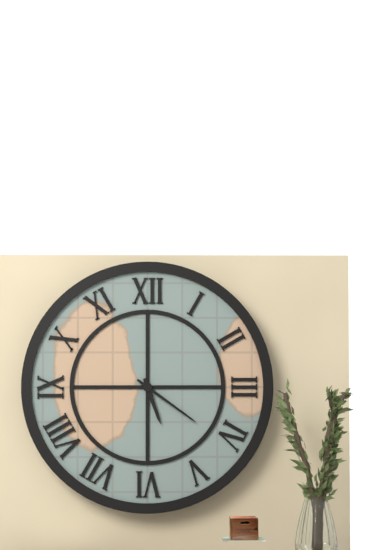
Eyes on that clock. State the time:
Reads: 5:21
